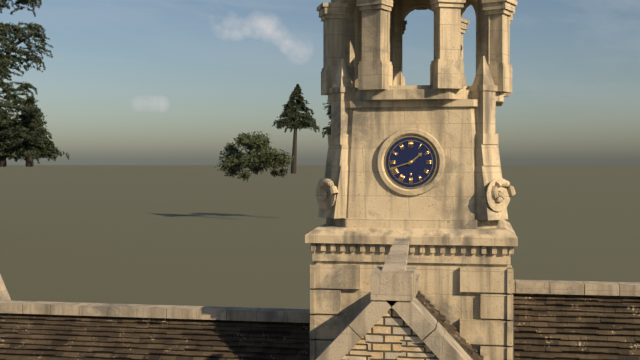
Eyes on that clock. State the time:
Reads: 1:42
